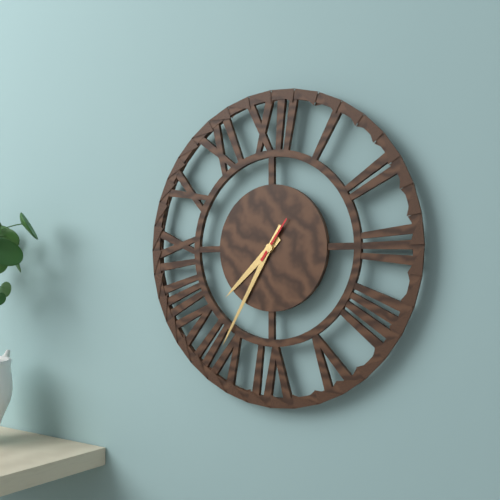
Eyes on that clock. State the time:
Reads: 7:35
